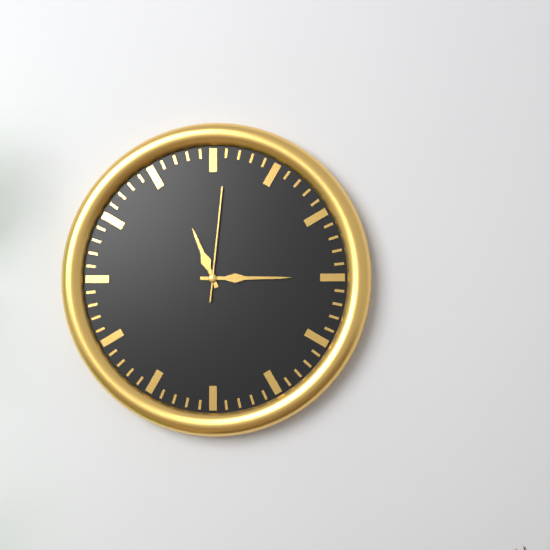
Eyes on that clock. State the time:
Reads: 11:15:01
